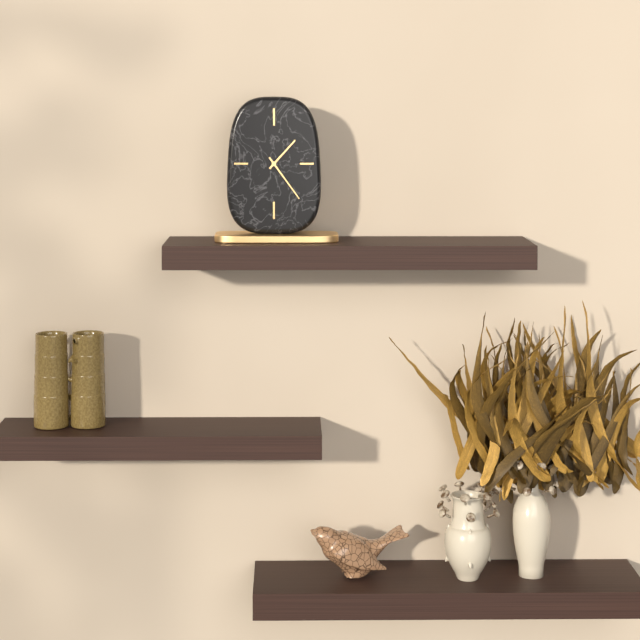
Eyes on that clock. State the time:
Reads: 1:24
